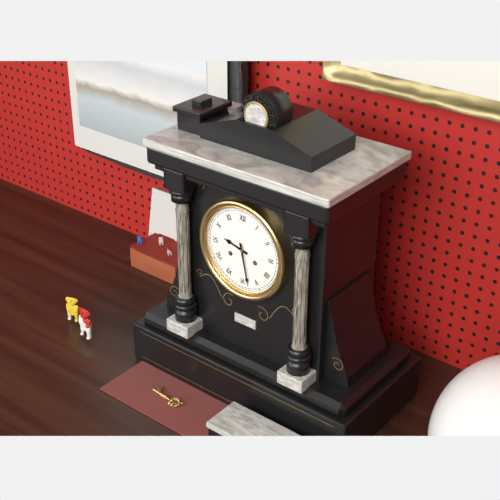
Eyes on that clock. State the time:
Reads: 9:28
